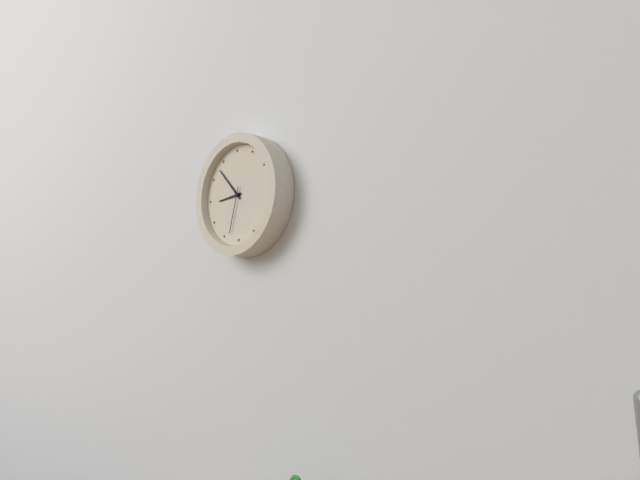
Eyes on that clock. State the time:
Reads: 8:53
